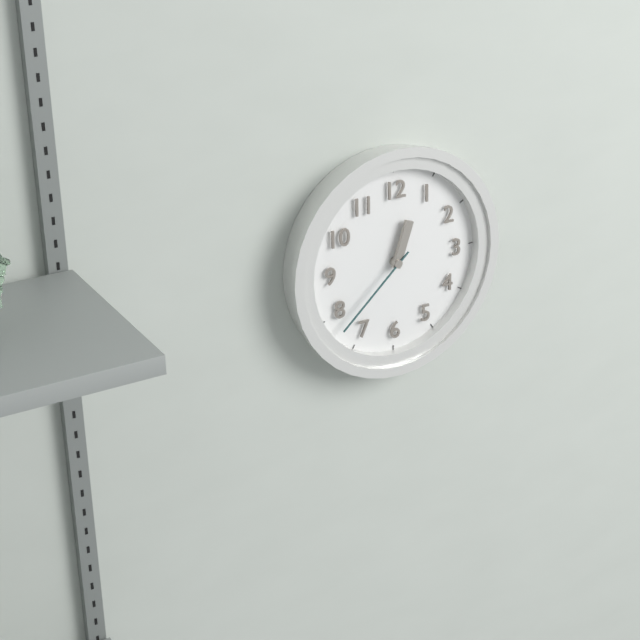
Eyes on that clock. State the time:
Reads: 12:38
